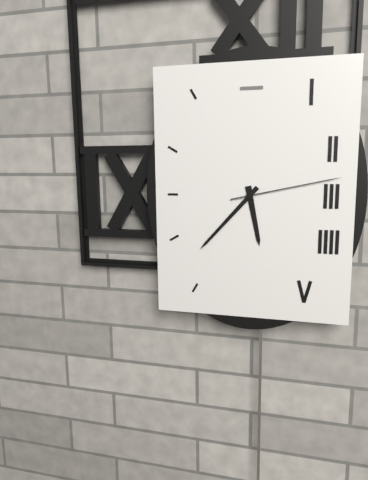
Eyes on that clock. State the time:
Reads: 5:37:13
